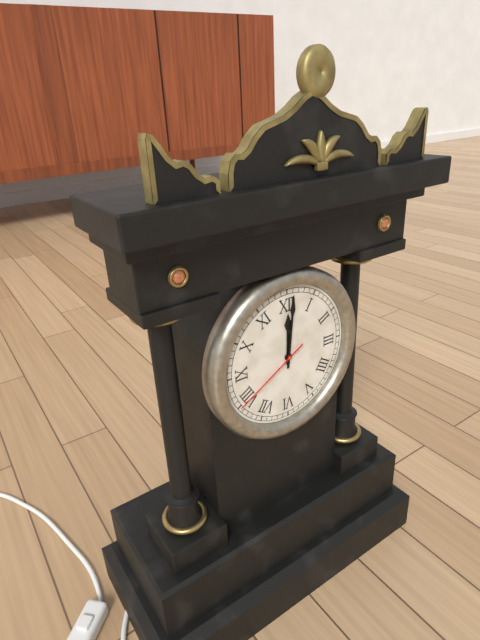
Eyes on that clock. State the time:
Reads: 12:01:40
